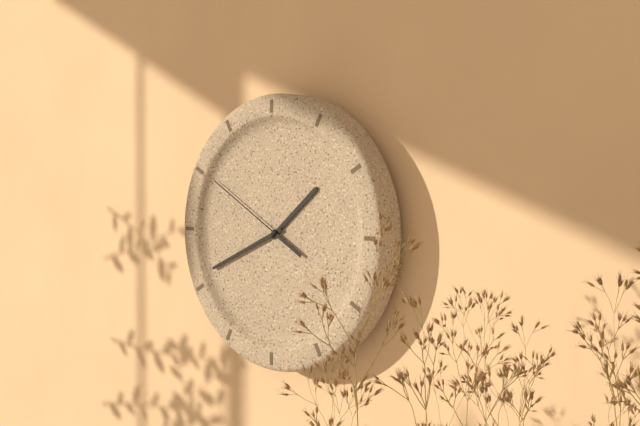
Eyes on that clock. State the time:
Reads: 1:41:50
